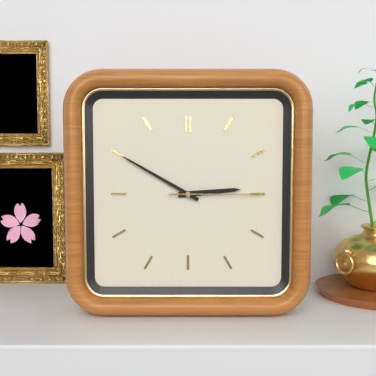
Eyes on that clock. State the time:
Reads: 2:50:15
